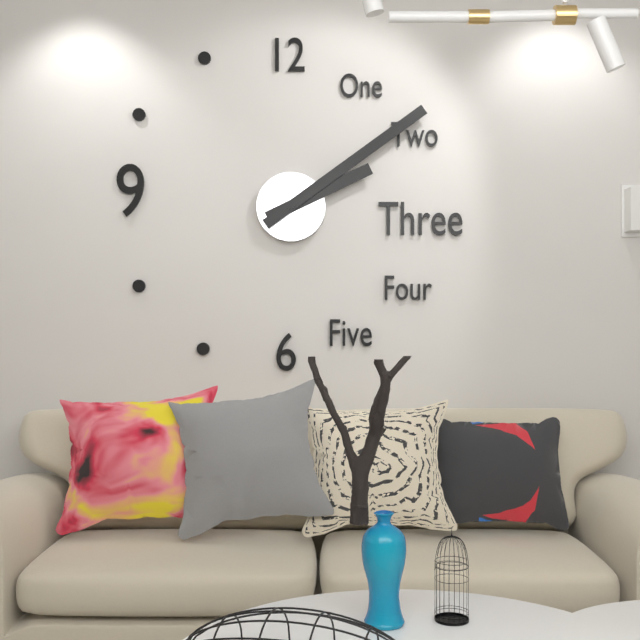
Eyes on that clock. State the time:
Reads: 2:09
